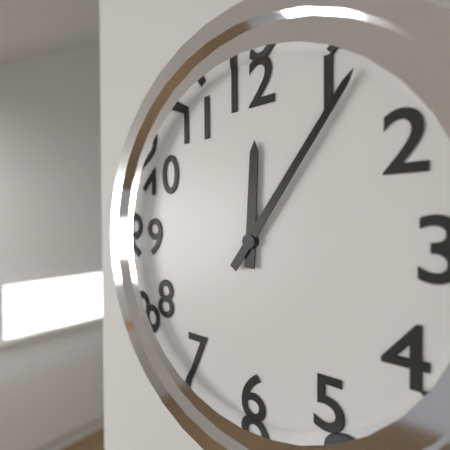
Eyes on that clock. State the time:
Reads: 12:06
